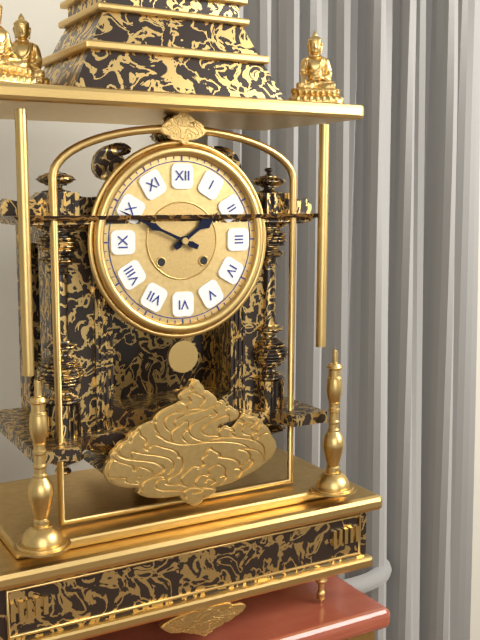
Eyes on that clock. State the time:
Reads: 1:49
